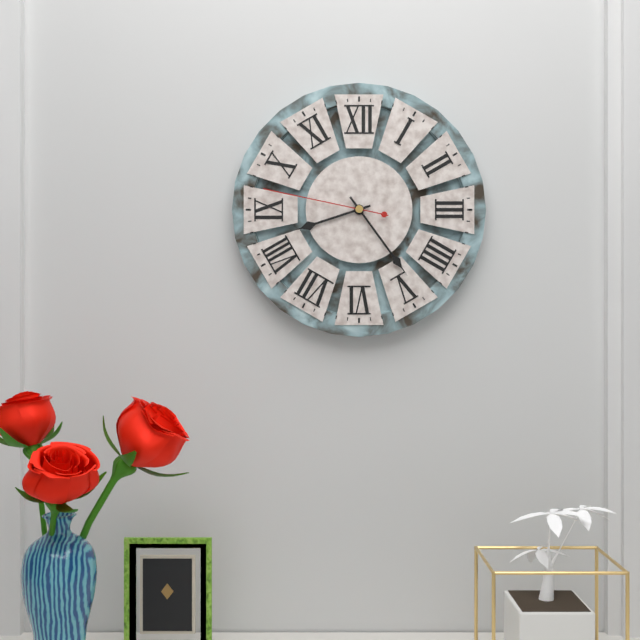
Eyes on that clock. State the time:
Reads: 8:24:47
